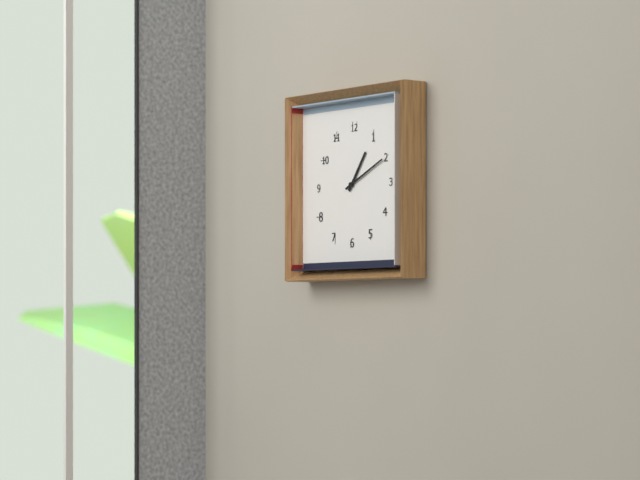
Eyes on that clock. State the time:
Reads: 1:11
